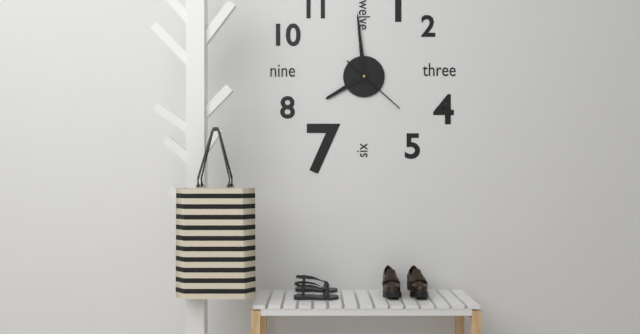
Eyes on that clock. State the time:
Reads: 7:59:22
